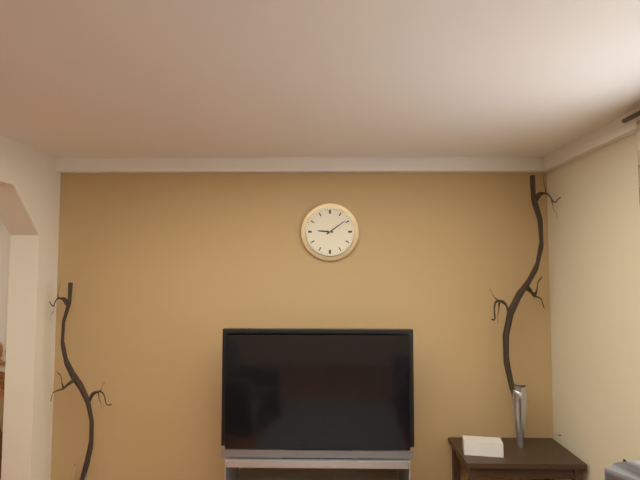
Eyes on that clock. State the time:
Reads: 9:09
